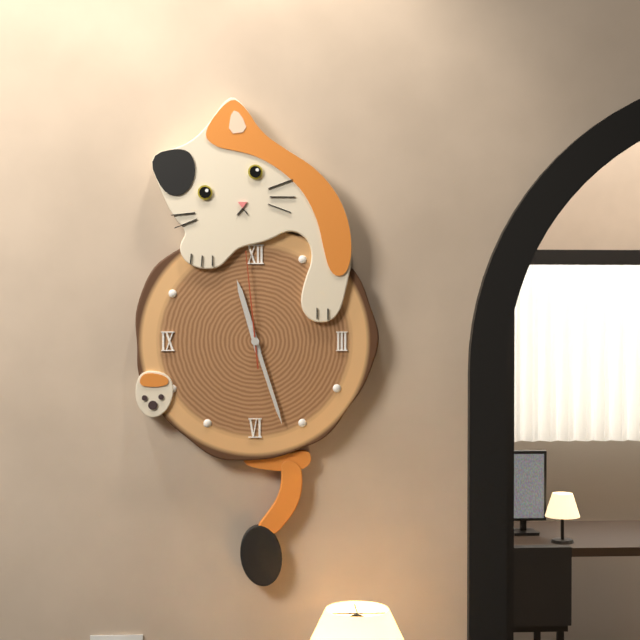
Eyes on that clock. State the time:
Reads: 11:27:59
